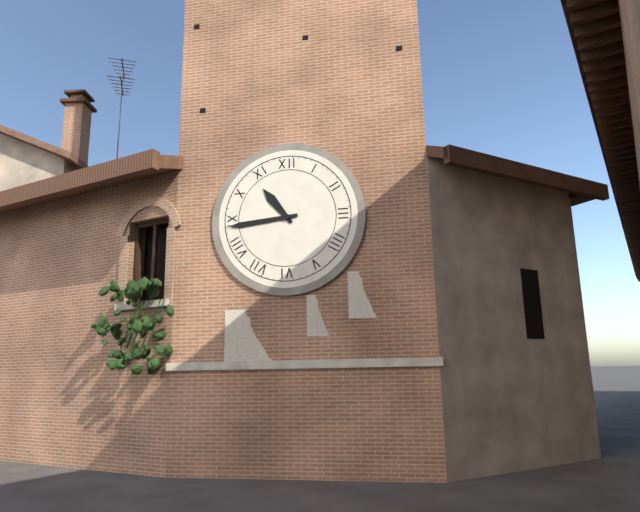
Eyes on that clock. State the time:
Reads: 10:44
